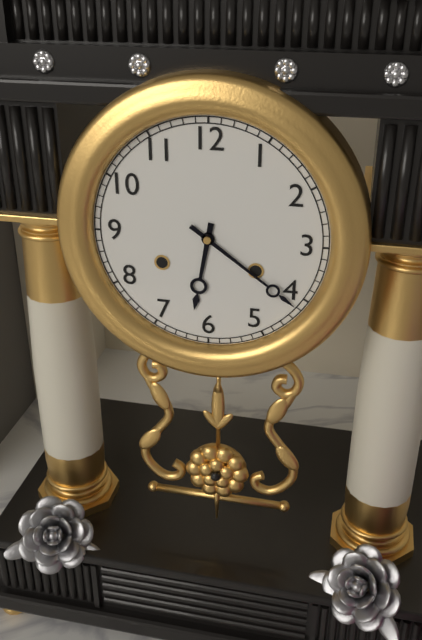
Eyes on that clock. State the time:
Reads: 6:21
